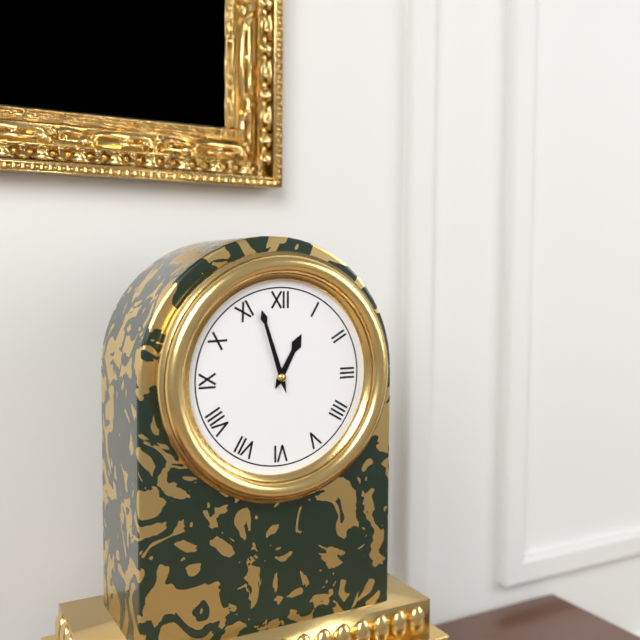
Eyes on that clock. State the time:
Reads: 12:57
